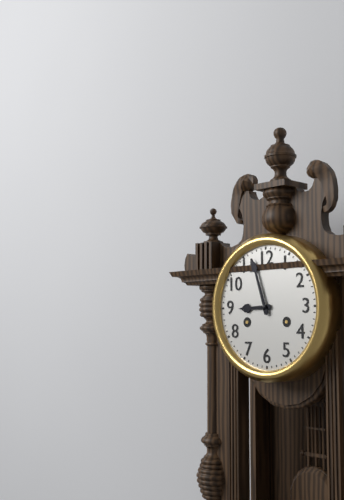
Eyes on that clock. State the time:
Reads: 8:57
